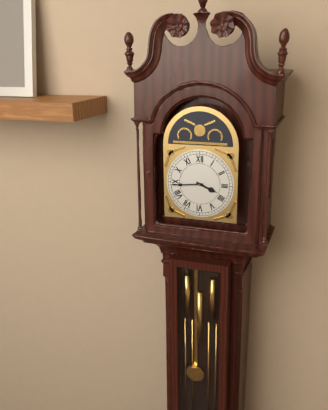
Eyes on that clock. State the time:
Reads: 3:44
